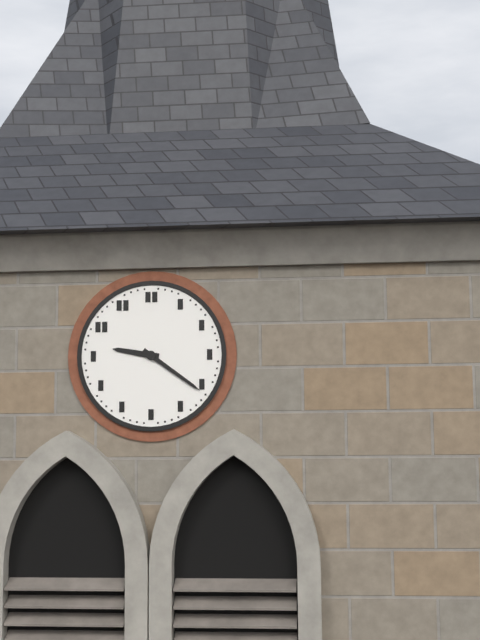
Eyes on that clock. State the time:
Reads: 9:21
